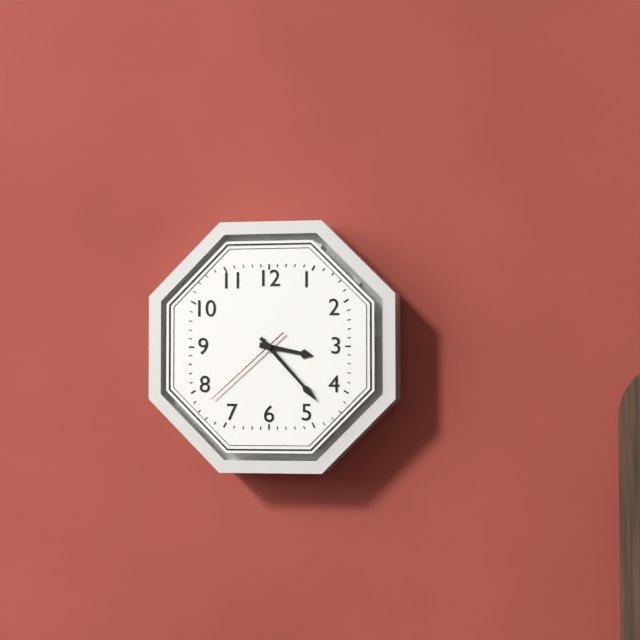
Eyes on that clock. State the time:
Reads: 3:23:38
